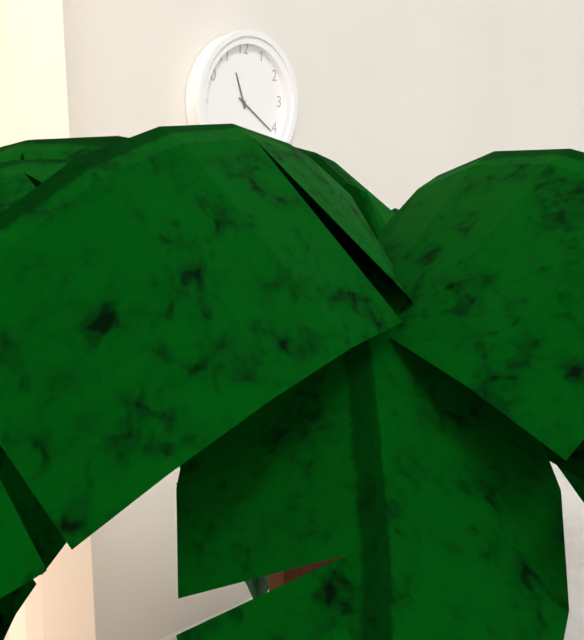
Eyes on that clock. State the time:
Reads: 11:21
